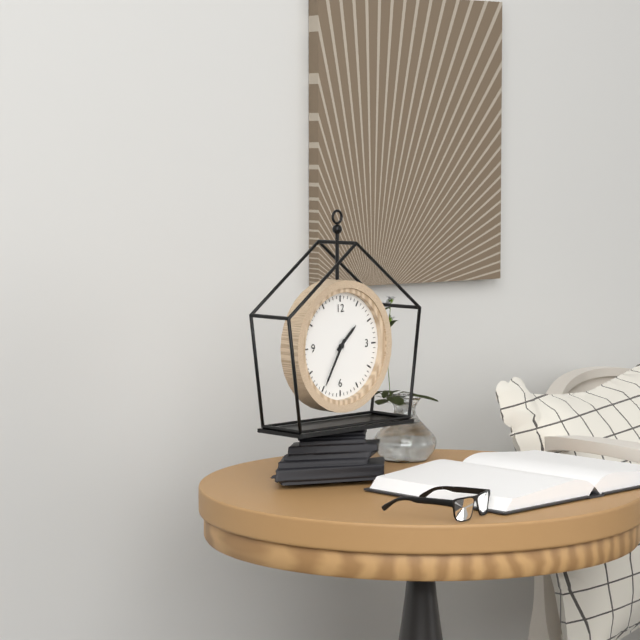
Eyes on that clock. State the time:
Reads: 1:35
